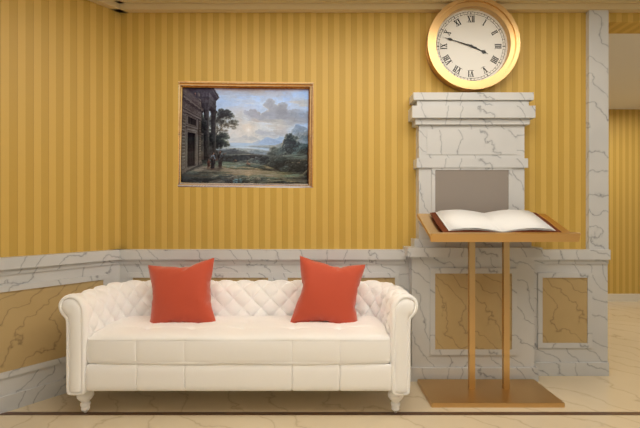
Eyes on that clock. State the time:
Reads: 3:48
